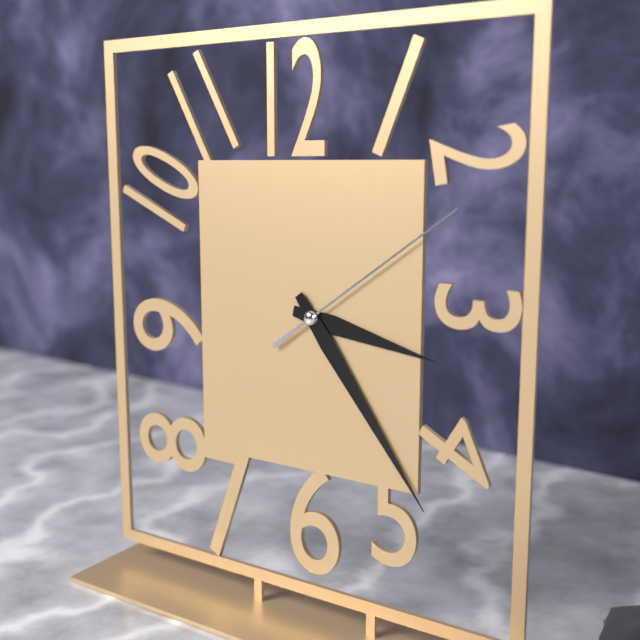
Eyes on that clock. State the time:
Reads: 3:24:09
